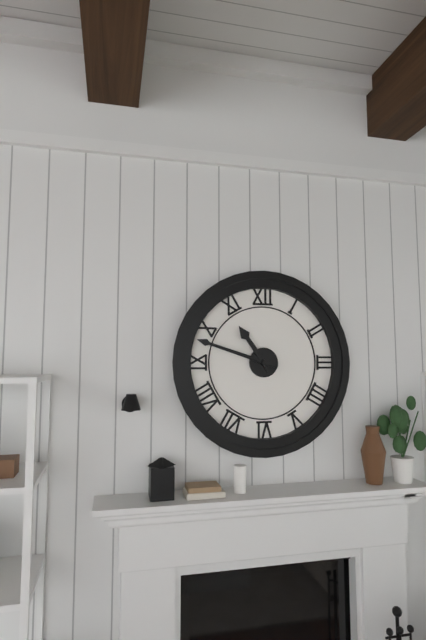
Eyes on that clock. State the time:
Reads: 10:48
